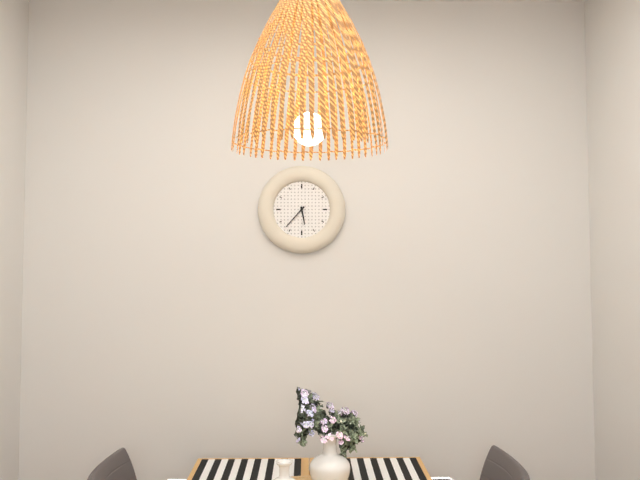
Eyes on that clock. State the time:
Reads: 5:37
